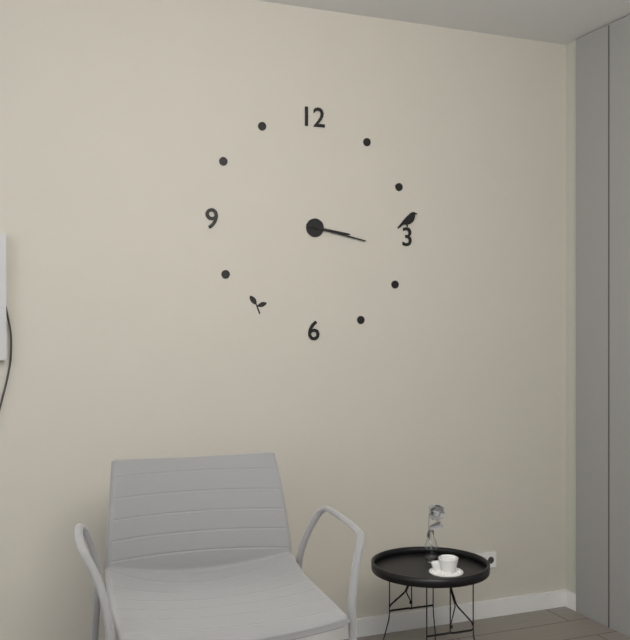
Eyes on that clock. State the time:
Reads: 3:17
